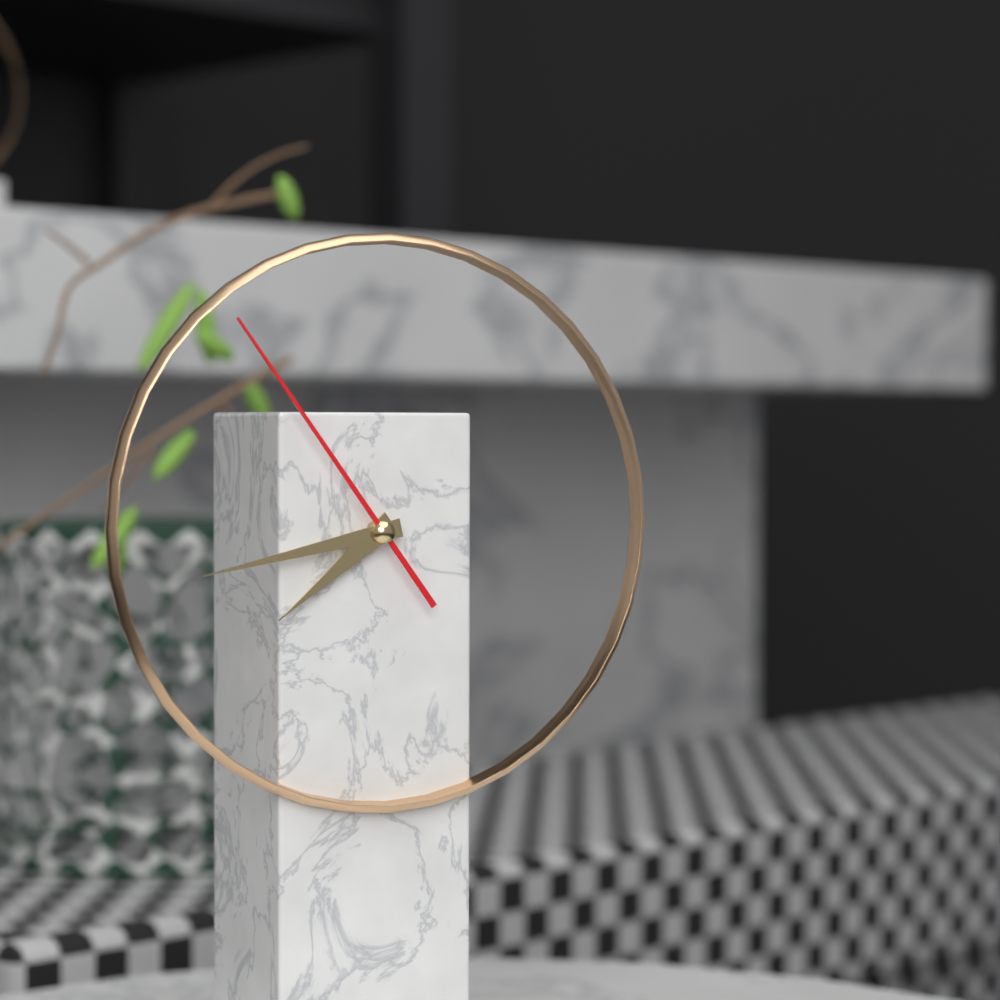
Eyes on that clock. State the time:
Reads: 7:43:54
